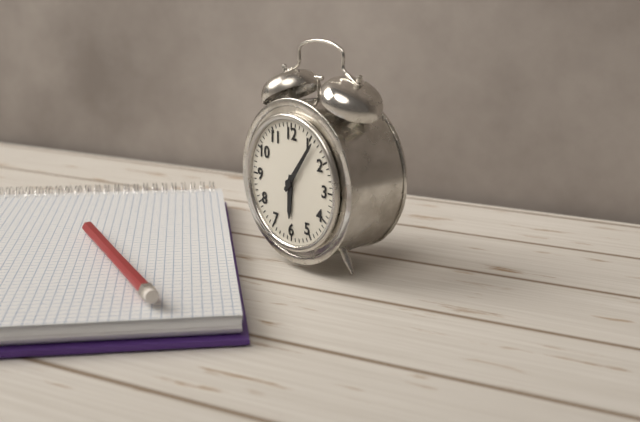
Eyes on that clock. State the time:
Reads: 6:06
